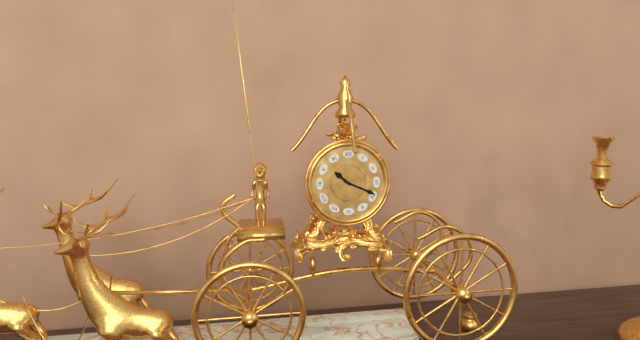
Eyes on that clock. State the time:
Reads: 10:19
